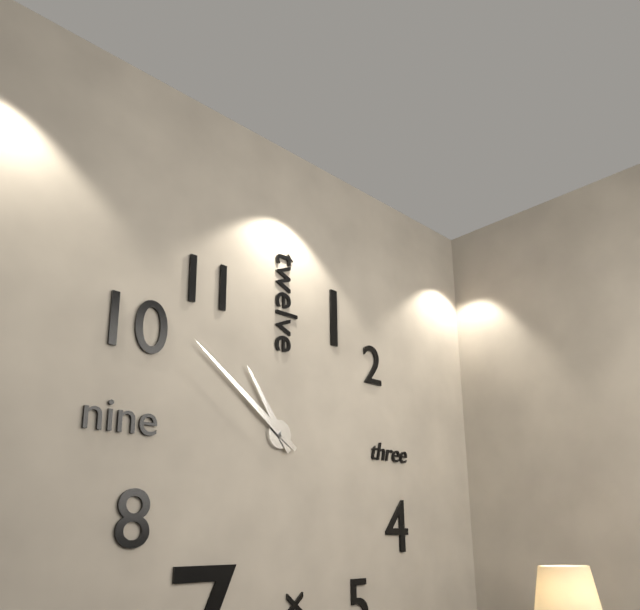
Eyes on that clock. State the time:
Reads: 10:51
